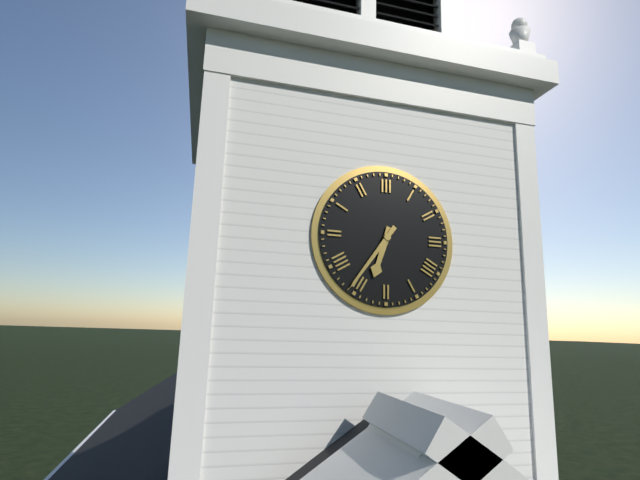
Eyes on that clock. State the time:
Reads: 6:36
